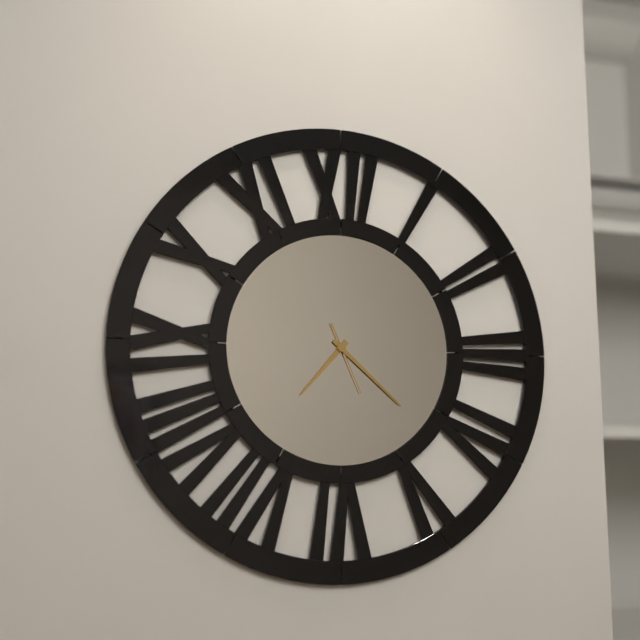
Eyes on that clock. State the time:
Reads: 7:22:26
